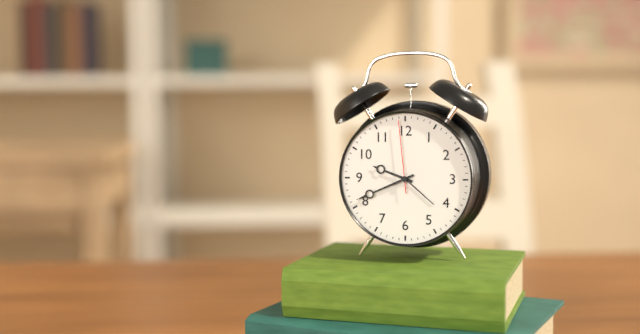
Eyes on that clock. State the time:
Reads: 9:41:59
